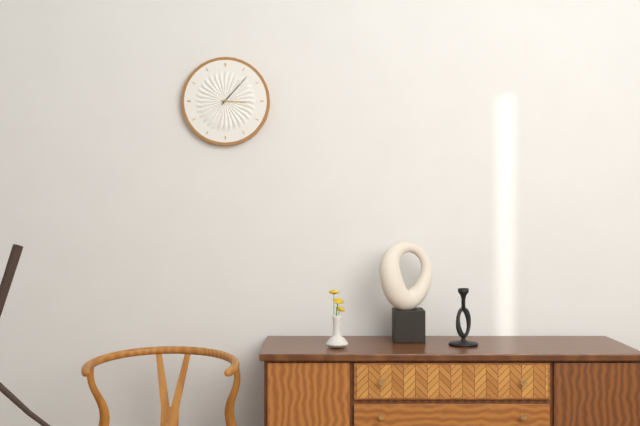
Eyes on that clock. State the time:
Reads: 3:07
